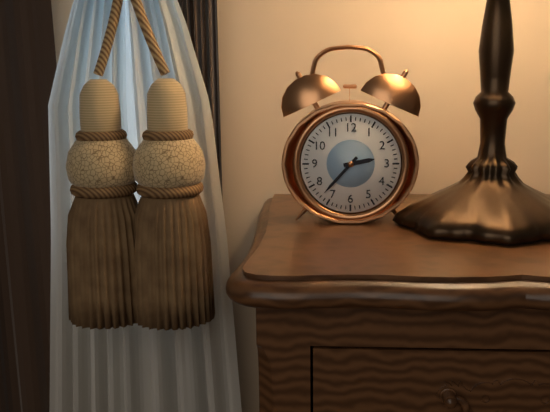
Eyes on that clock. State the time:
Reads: 2:37
